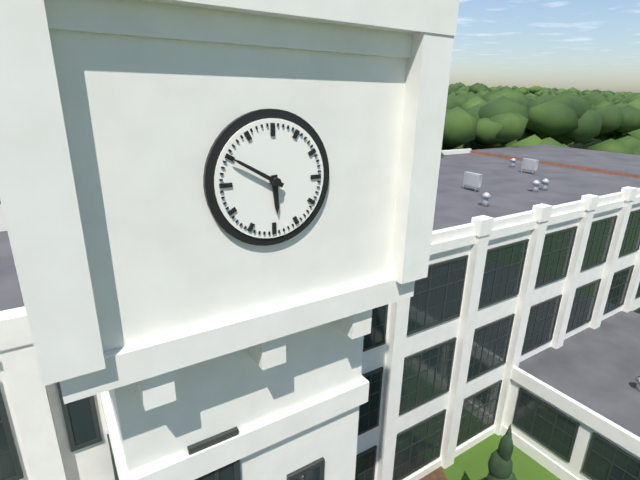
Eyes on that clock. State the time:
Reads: 5:50
